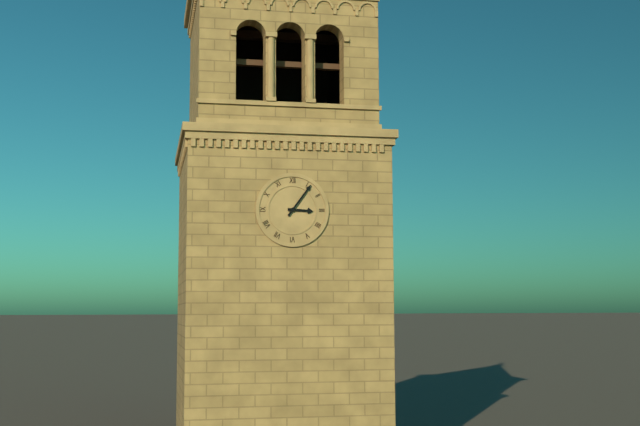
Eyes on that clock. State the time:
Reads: 3:06
